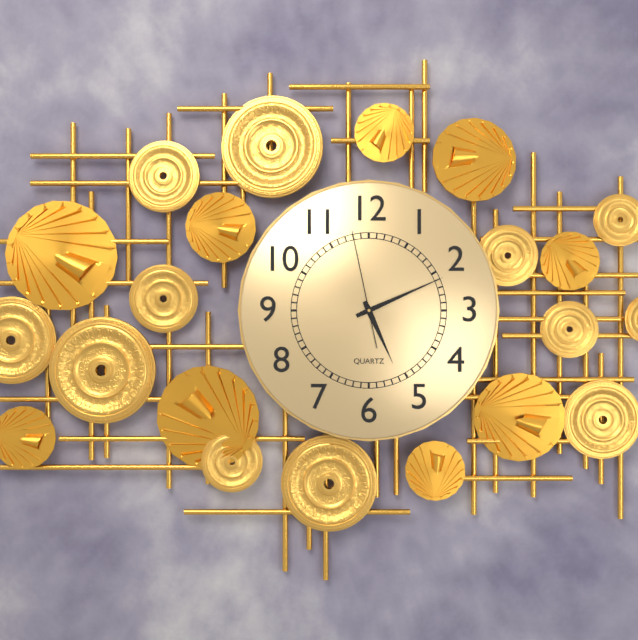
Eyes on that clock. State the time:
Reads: 5:11:58
